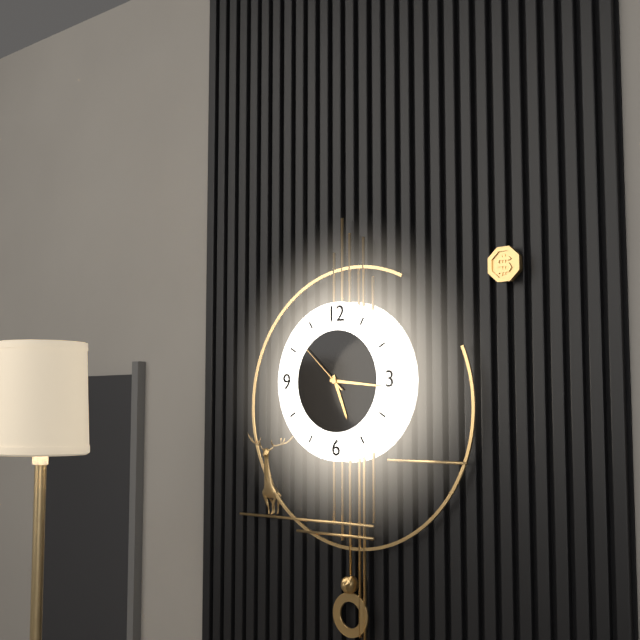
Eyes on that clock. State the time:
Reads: 5:16:52
